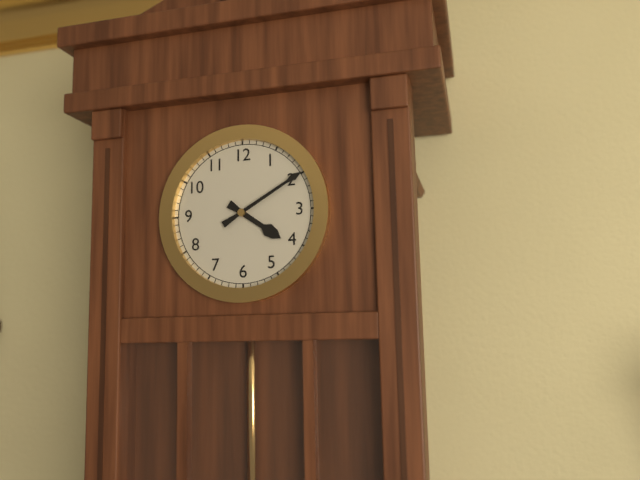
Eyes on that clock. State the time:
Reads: 4:10
